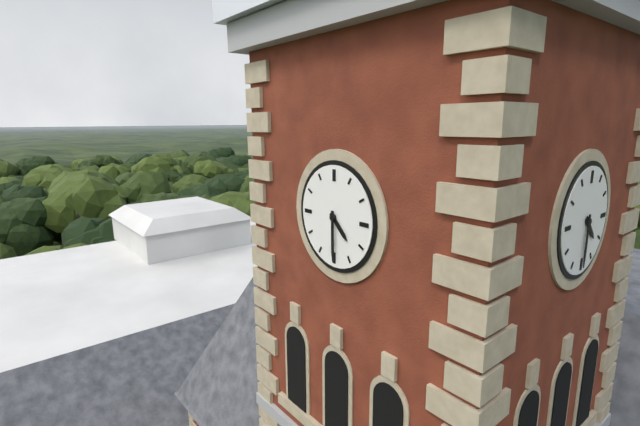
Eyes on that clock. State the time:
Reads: 4:30
